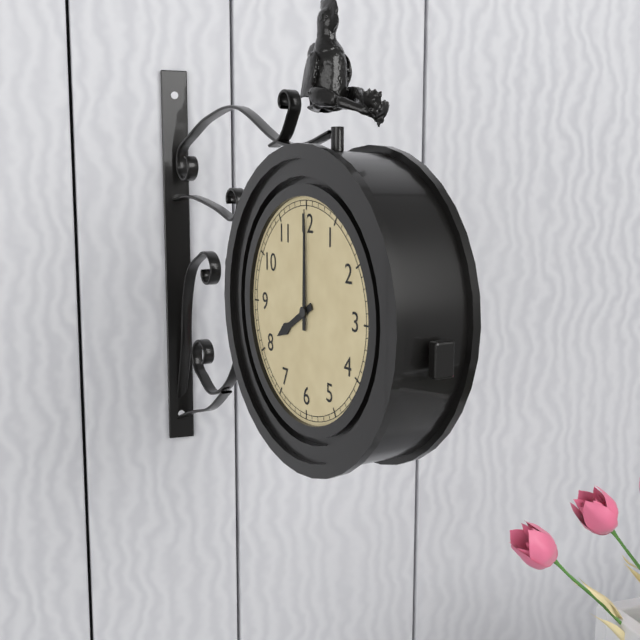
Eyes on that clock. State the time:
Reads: 8:00
